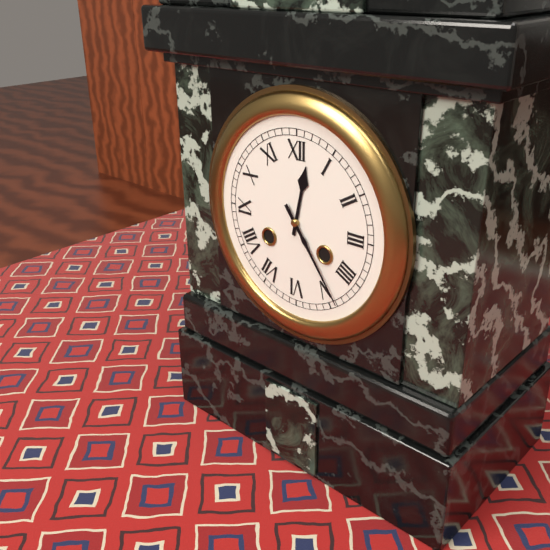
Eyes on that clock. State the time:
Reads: 12:24
